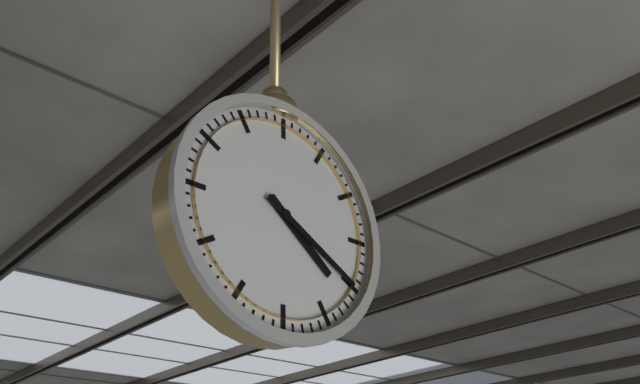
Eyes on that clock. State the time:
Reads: 4:20
